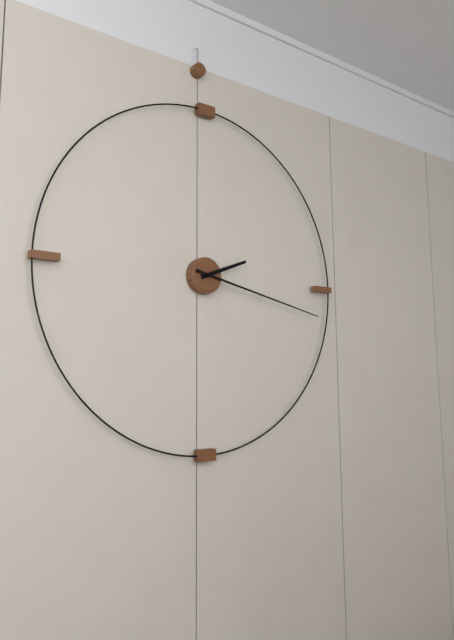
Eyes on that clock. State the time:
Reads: 2:17
